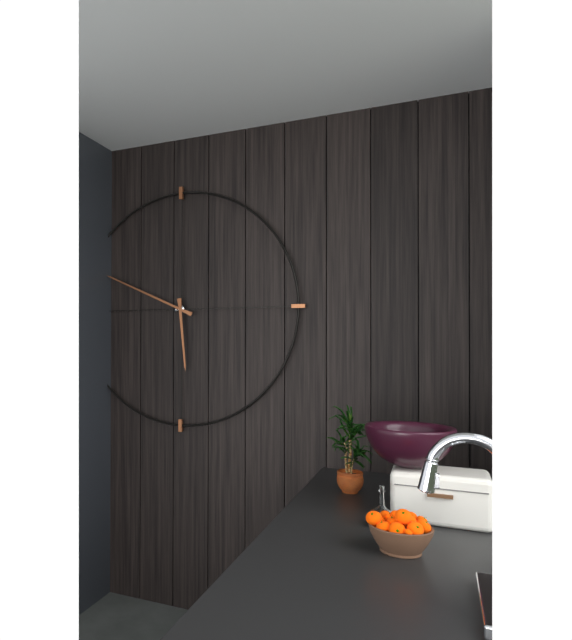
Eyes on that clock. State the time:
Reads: 5:49
